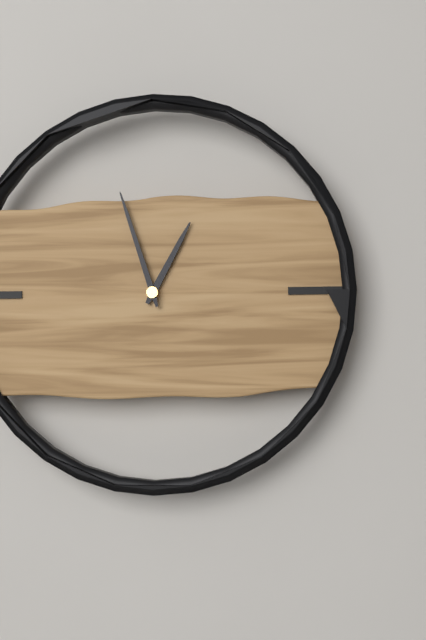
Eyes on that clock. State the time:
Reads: 12:57
